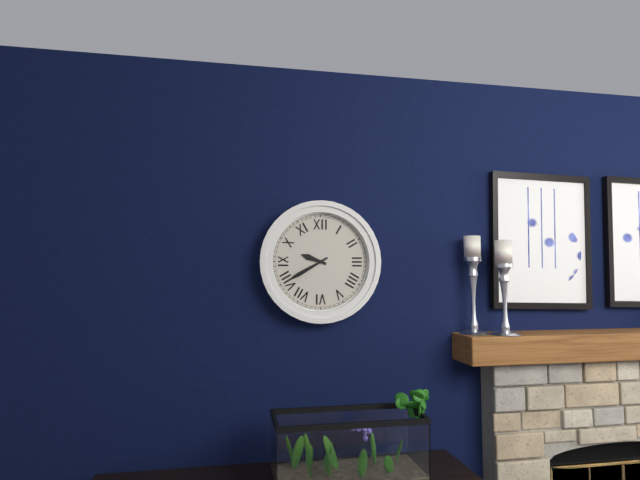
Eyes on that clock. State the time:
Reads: 9:40
